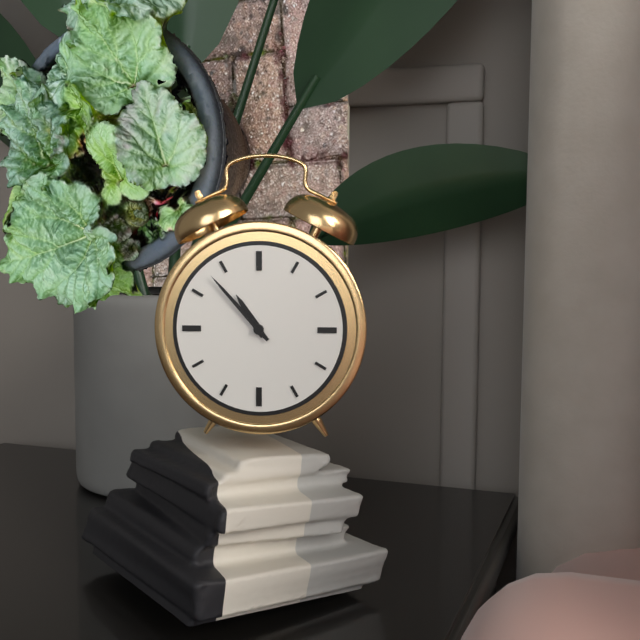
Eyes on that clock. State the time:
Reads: 10:53
